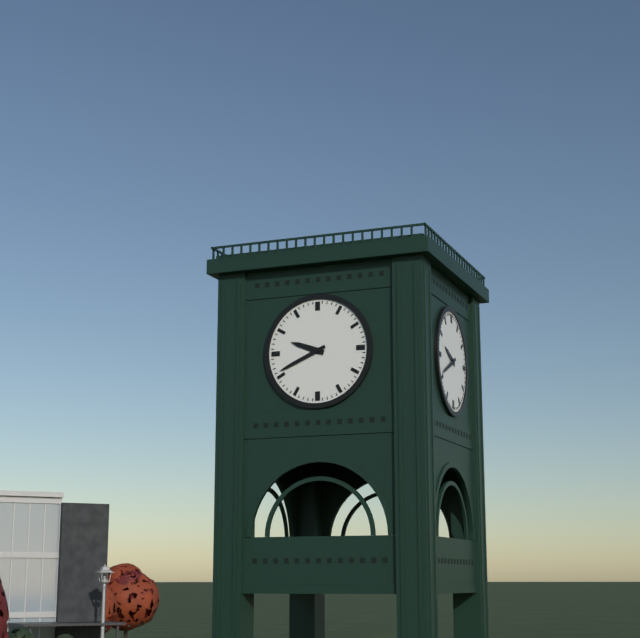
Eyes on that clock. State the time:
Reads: 9:41
